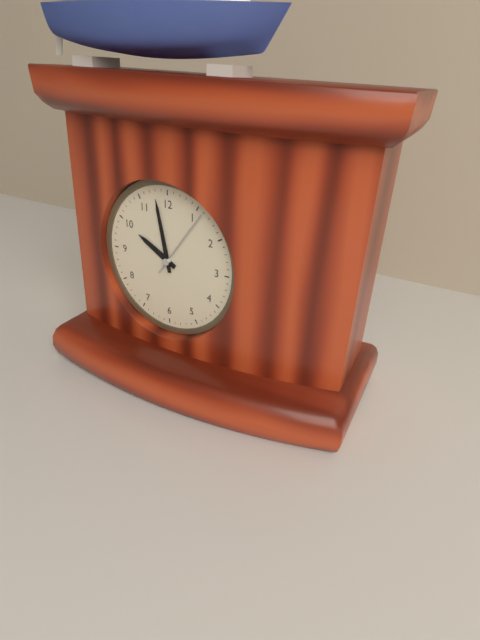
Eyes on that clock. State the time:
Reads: 9:58:06
